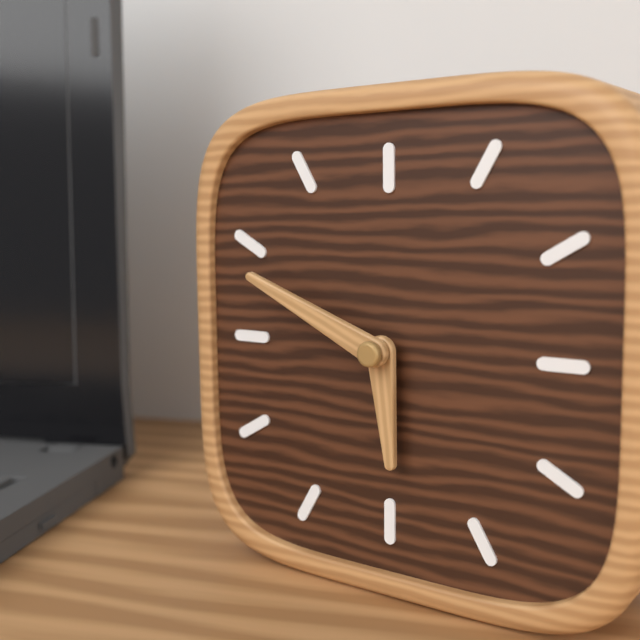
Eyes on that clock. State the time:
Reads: 5:49
